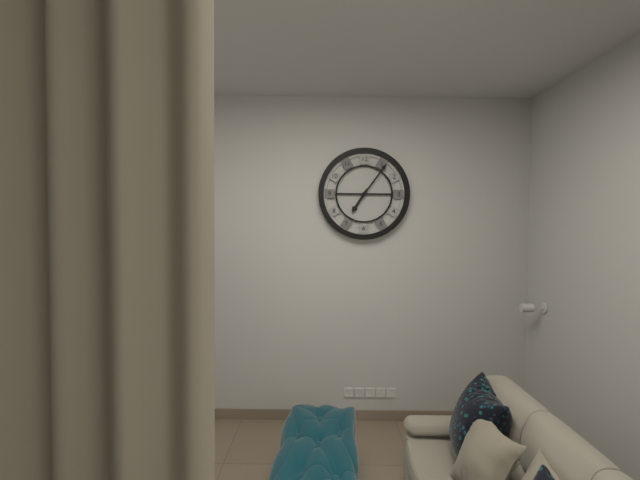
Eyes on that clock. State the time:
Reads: 7:06
